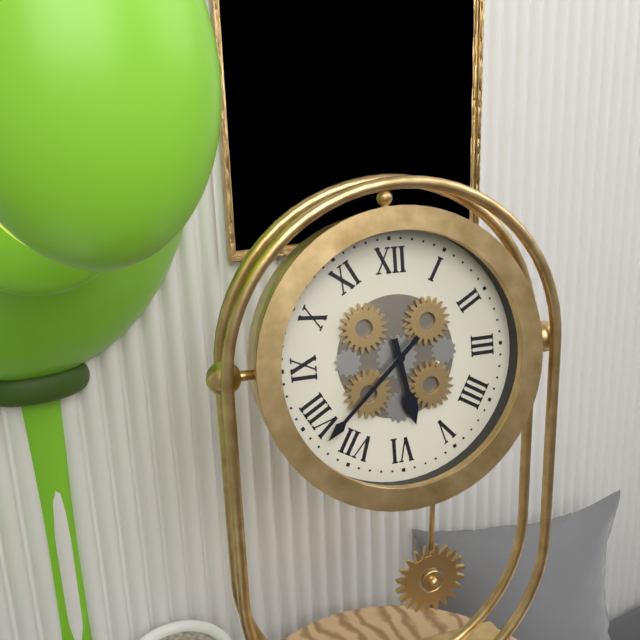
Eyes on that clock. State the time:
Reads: 5:38
